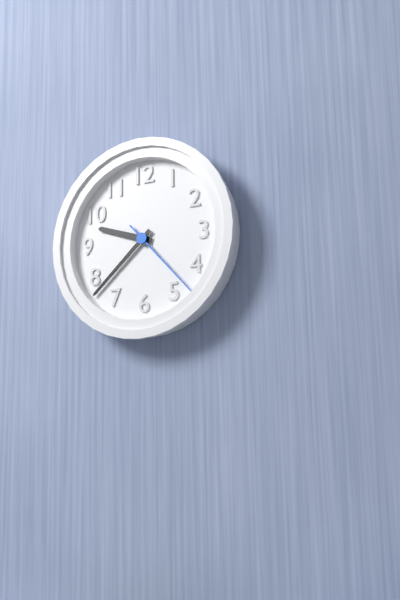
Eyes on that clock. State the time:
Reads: 9:38:23
